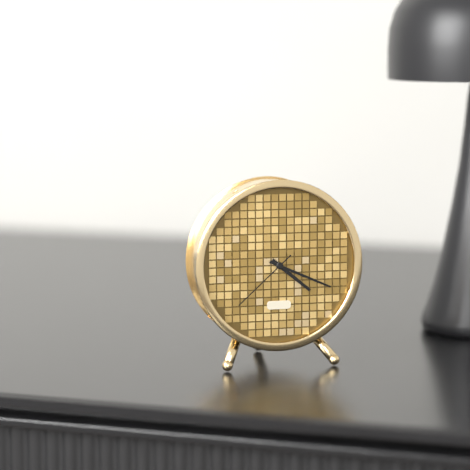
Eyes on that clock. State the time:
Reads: 4:19:38
